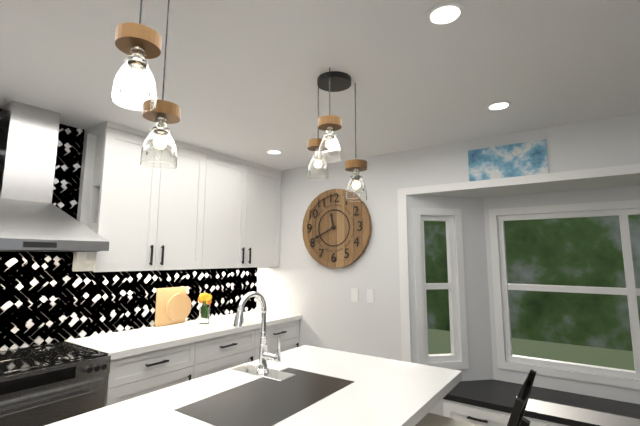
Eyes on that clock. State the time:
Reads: 11:41
